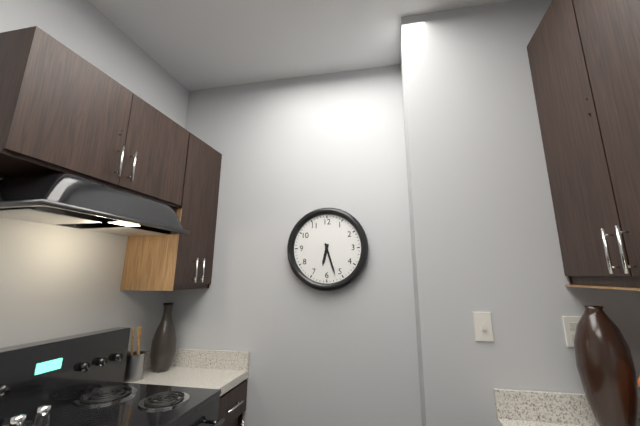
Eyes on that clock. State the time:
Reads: 6:27
